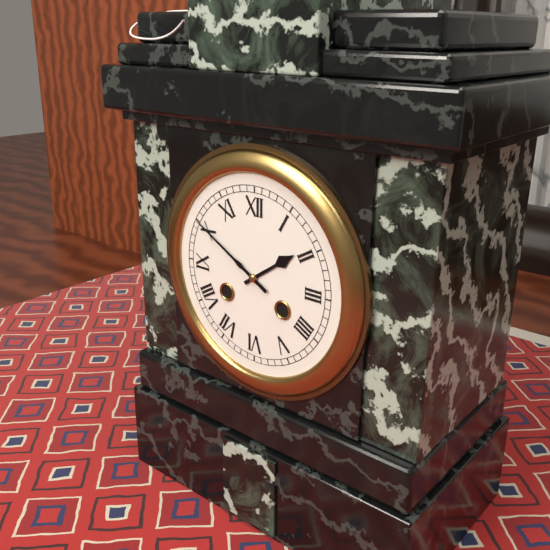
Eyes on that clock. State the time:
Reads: 1:50
